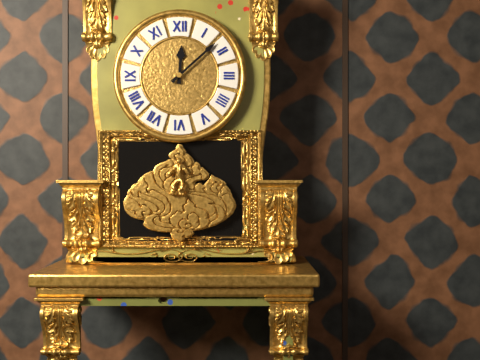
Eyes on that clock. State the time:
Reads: 12:08
